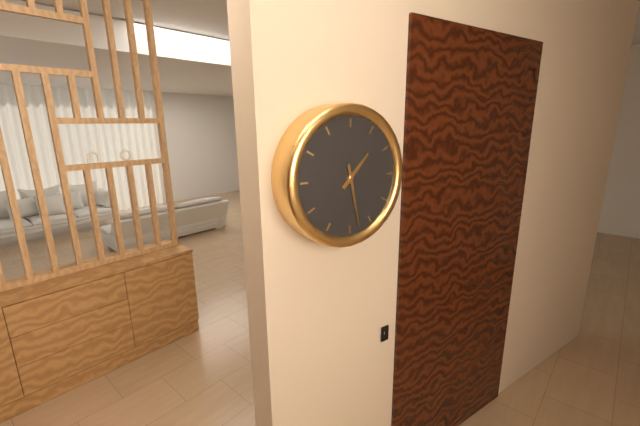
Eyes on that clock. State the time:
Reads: 1:28
